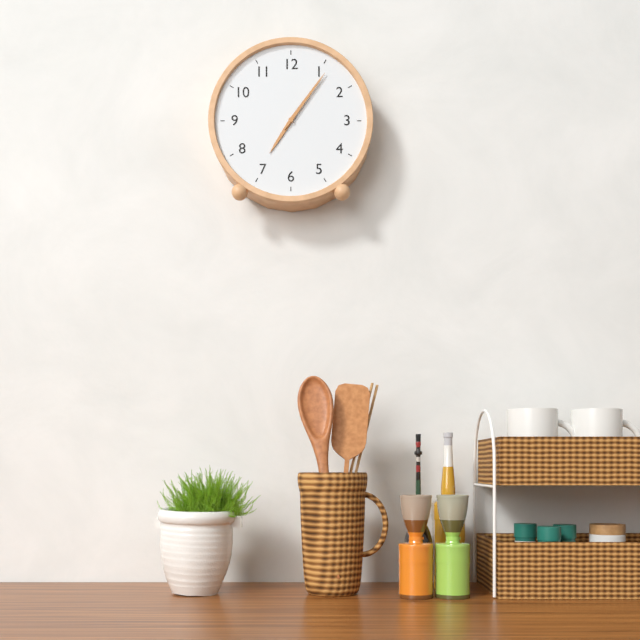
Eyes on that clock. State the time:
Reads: 7:06
